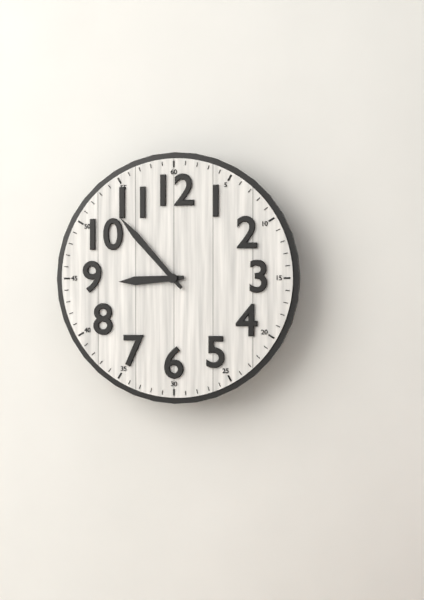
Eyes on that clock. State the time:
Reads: 8:53
